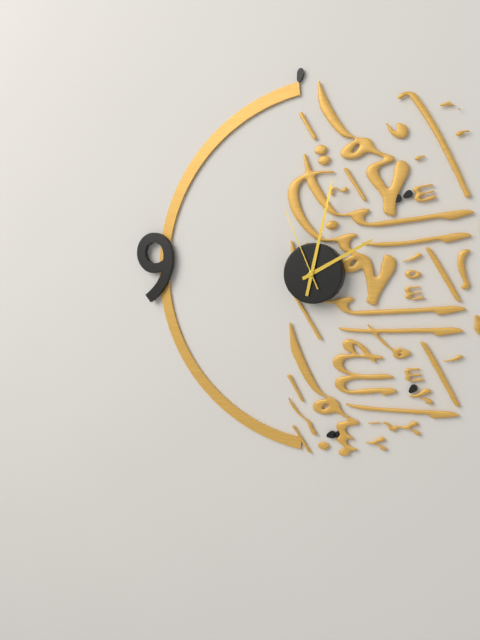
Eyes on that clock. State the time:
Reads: 2:02:56
